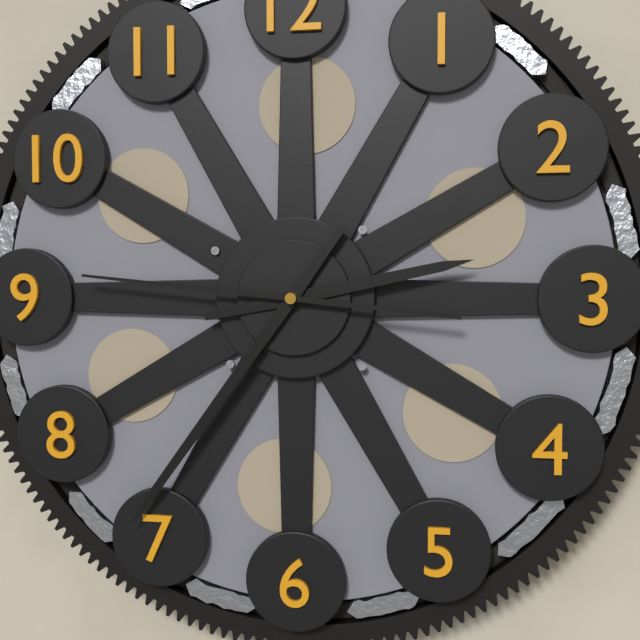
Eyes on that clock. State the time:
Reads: 2:36:46
